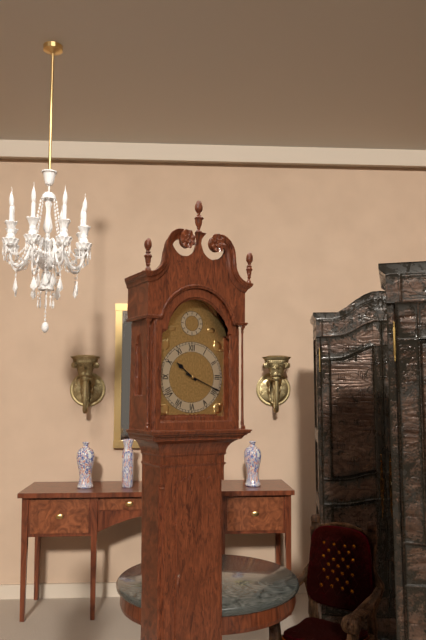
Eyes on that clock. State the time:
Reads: 10:19
